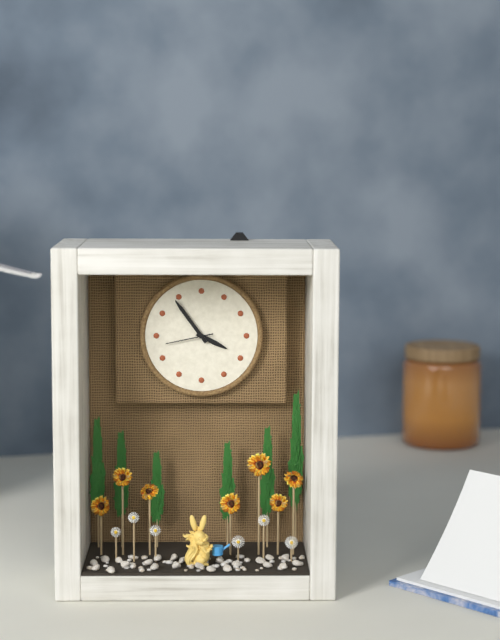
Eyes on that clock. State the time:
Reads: 3:54
